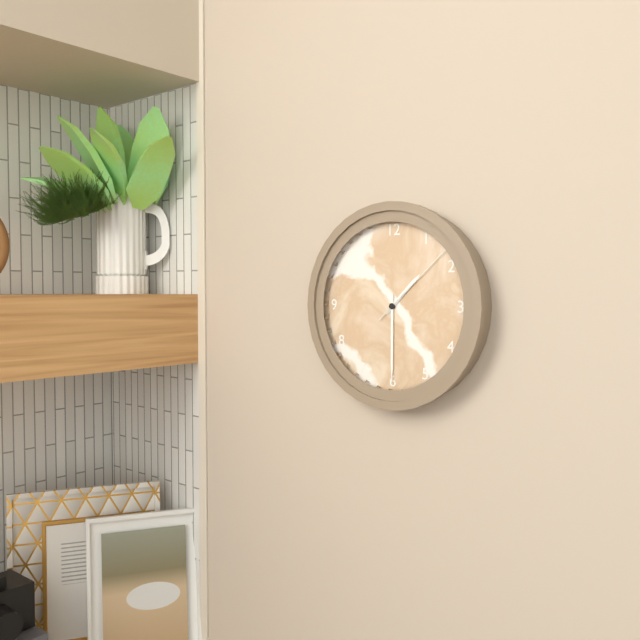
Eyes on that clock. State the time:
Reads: 1:30:08
